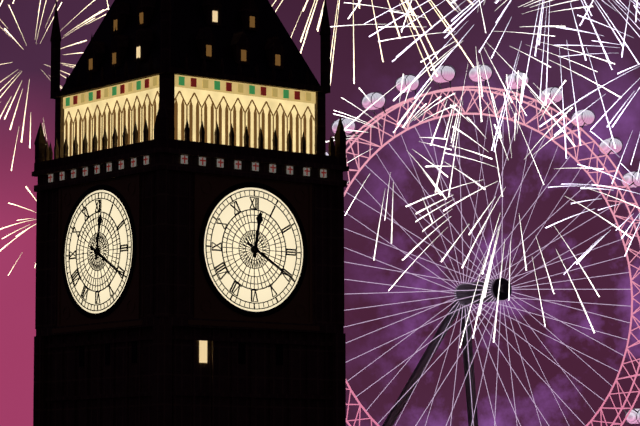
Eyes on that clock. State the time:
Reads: 12:20
